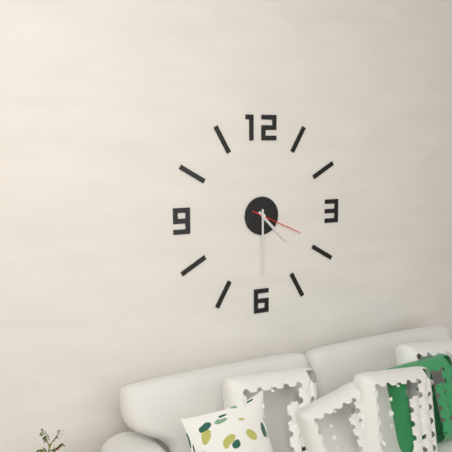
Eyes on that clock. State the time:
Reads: 4:30:19
